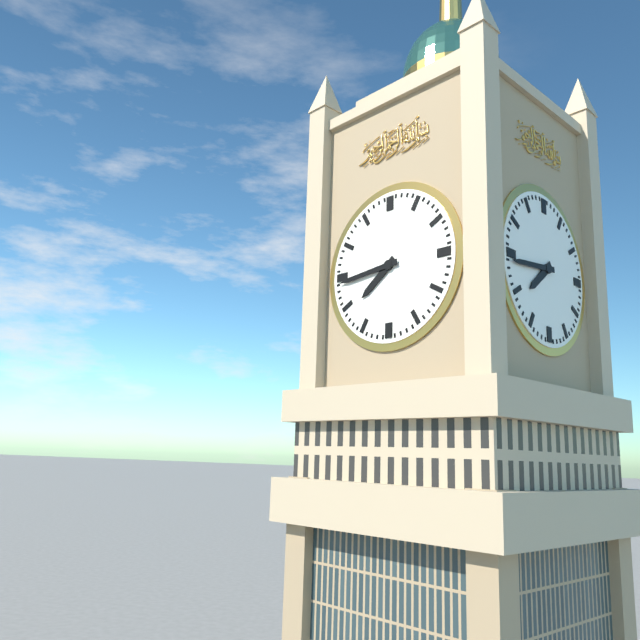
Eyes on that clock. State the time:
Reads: 7:44
